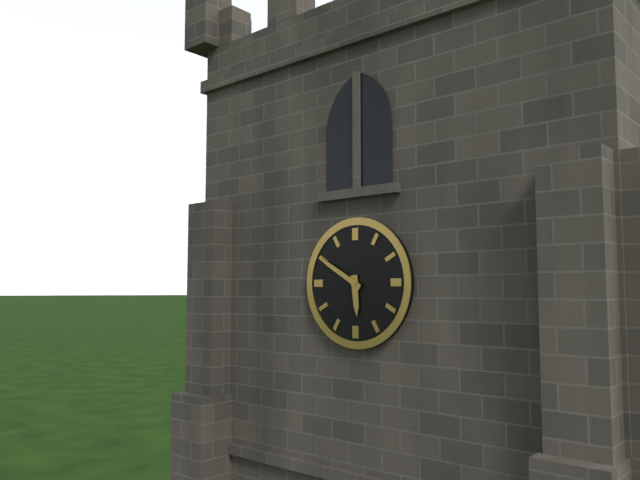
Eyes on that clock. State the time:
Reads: 5:50
